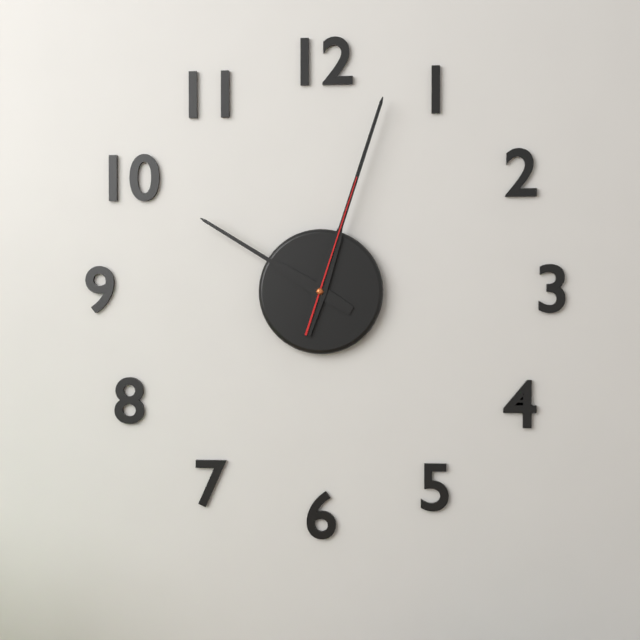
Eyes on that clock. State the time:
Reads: 10:03:03
